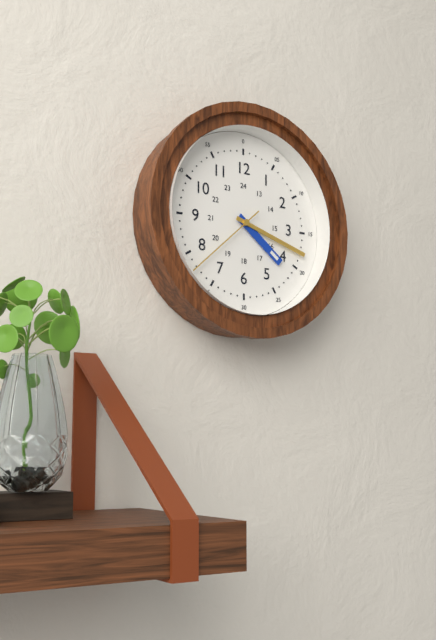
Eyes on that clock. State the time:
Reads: 4:18:38
